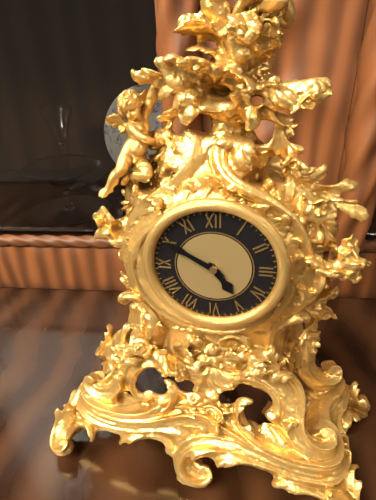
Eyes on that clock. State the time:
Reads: 4:50
